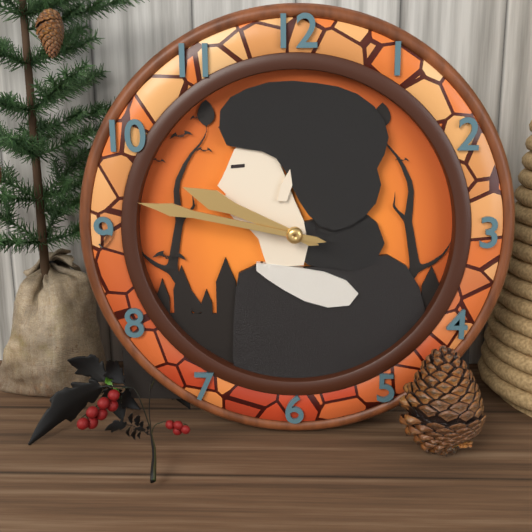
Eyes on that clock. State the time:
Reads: 9:47
